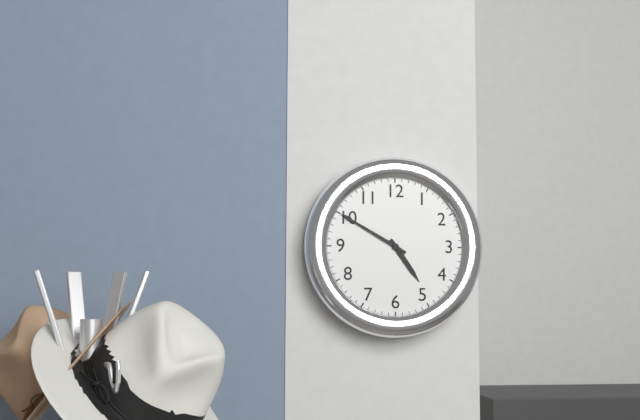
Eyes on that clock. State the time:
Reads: 4:50
